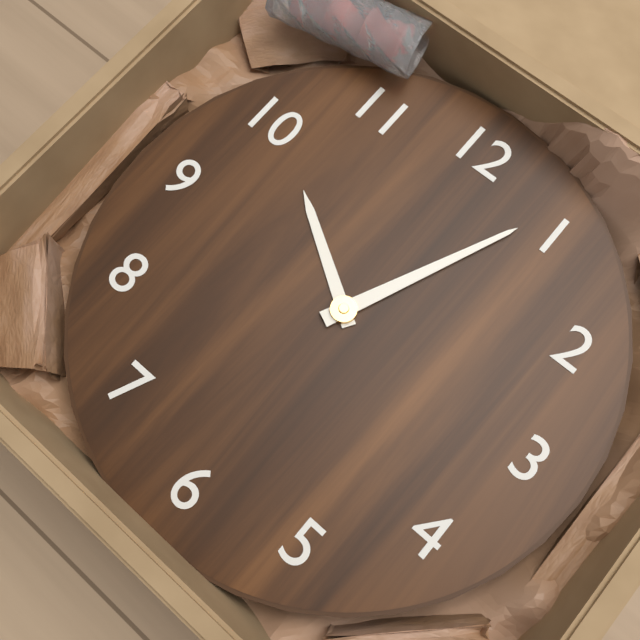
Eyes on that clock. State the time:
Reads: 10:04
